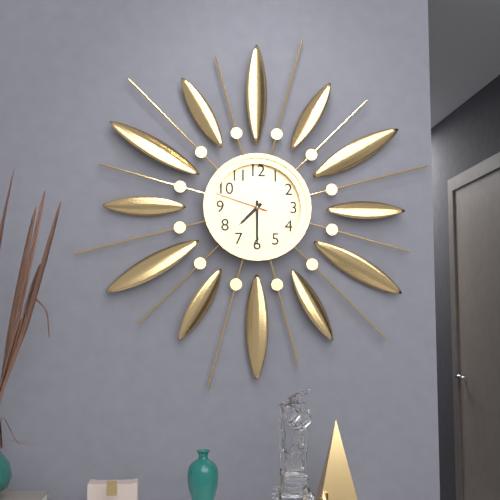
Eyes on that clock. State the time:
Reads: 7:30:48
